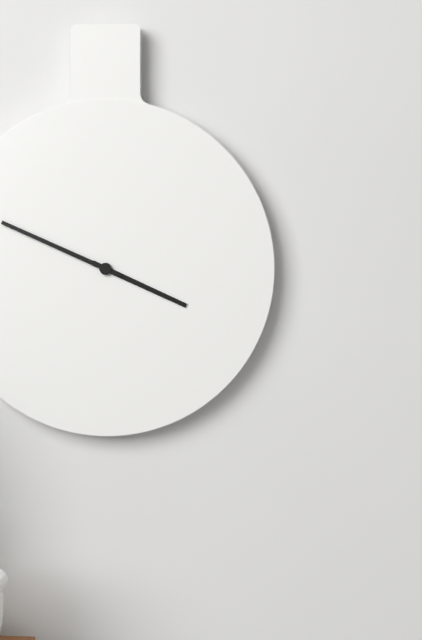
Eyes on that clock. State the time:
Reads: 3:49
